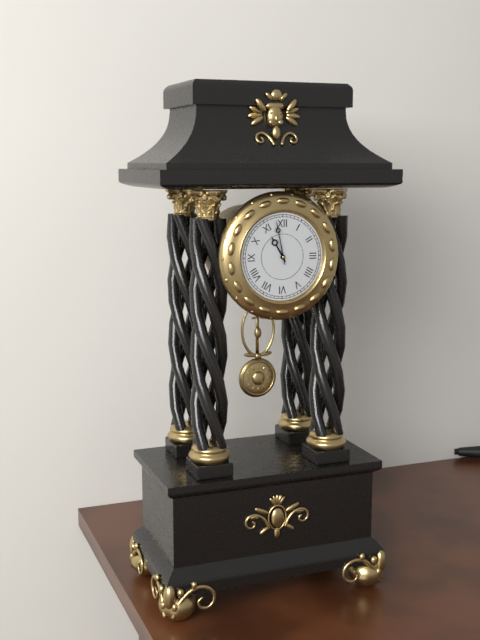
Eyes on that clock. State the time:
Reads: 10:58
